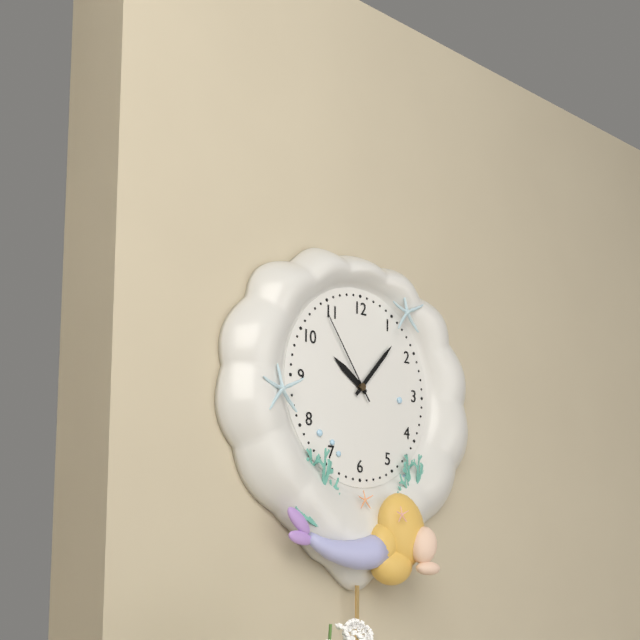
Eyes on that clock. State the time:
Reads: 10:07:54
